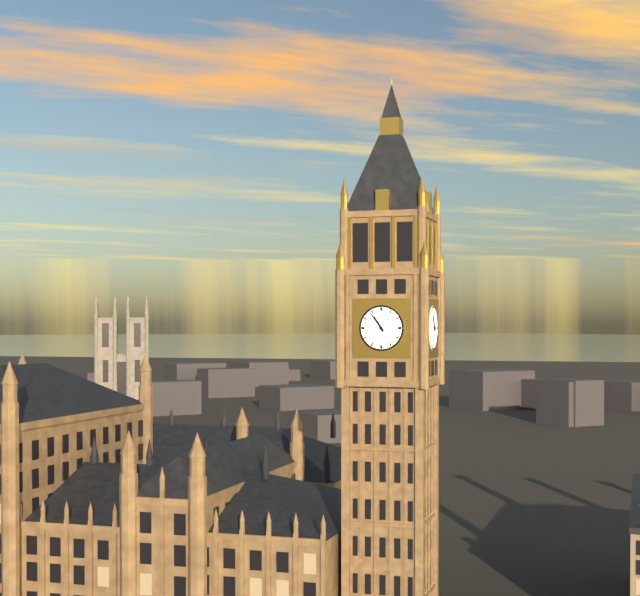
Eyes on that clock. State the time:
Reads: 10:54
